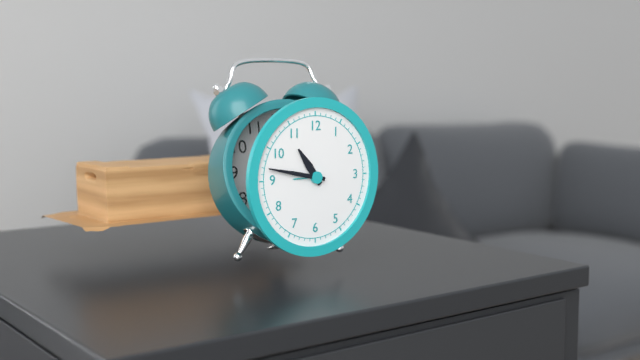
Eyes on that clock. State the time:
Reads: 10:47
